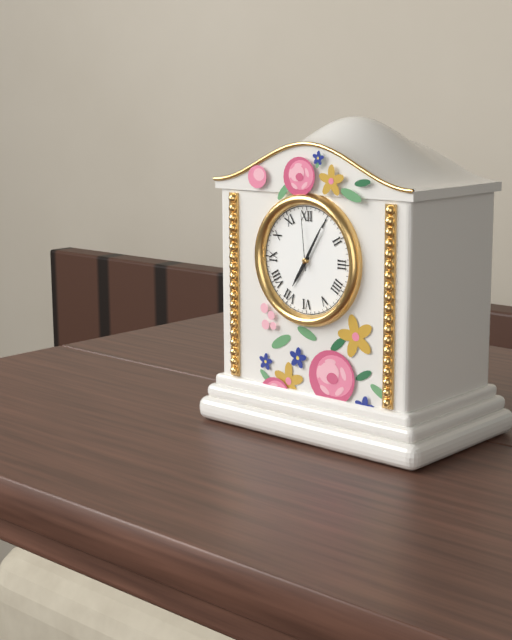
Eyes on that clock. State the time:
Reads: 7:05:59
